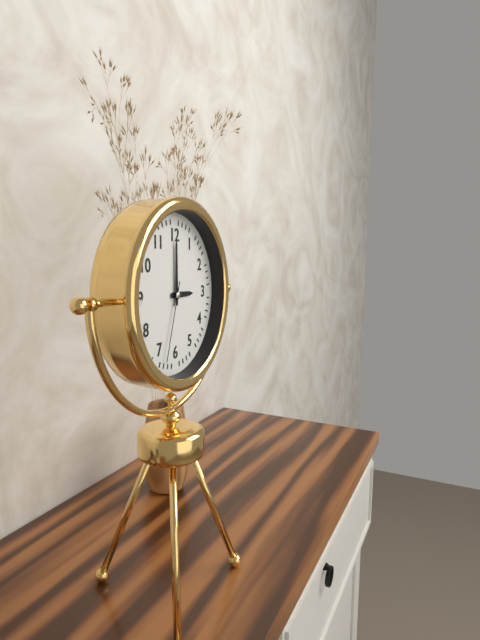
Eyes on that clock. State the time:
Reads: 3:00:33
